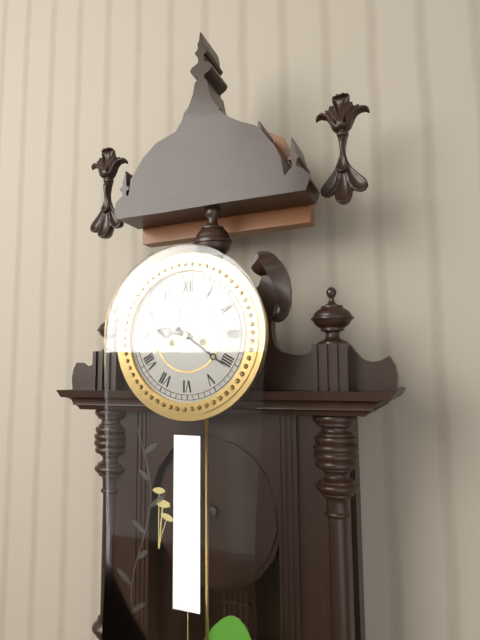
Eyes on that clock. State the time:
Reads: 9:21
